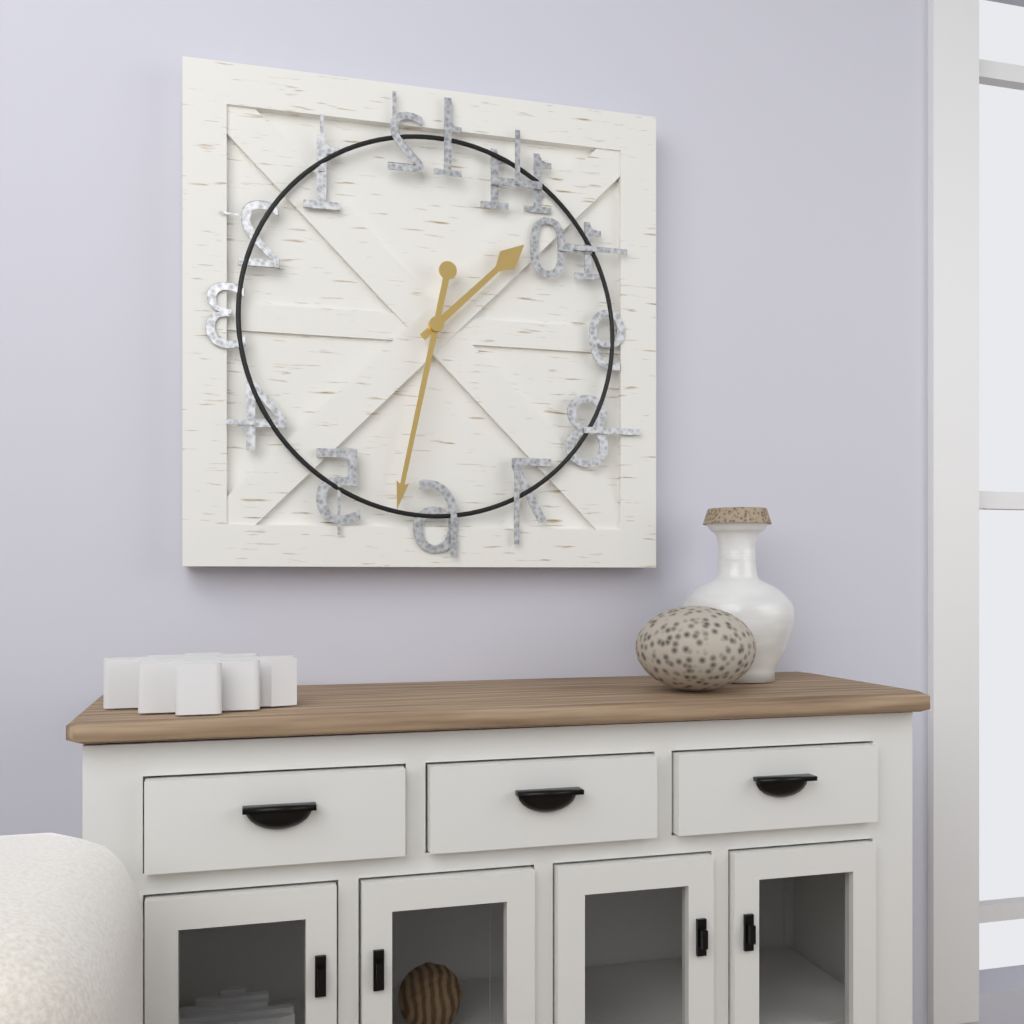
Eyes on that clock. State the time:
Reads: 1:32
